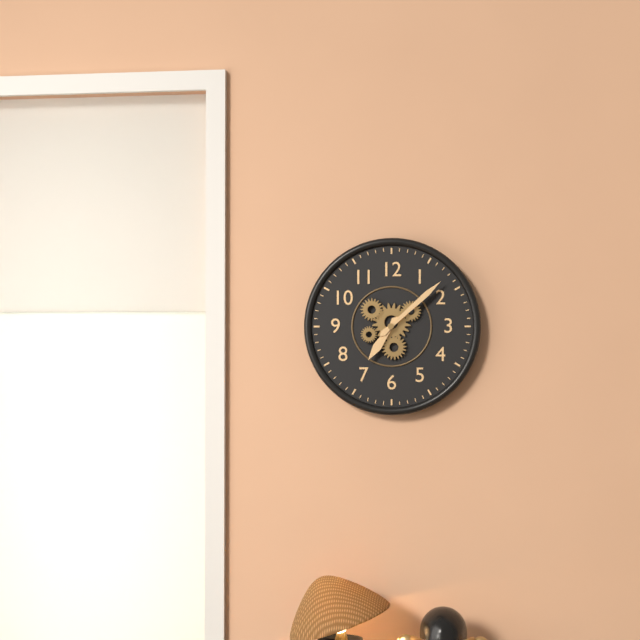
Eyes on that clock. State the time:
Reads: 7:08
